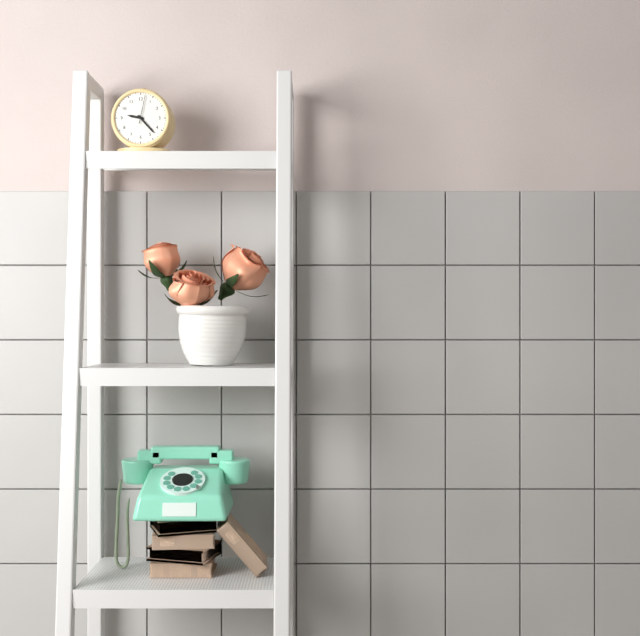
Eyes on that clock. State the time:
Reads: 9:23
